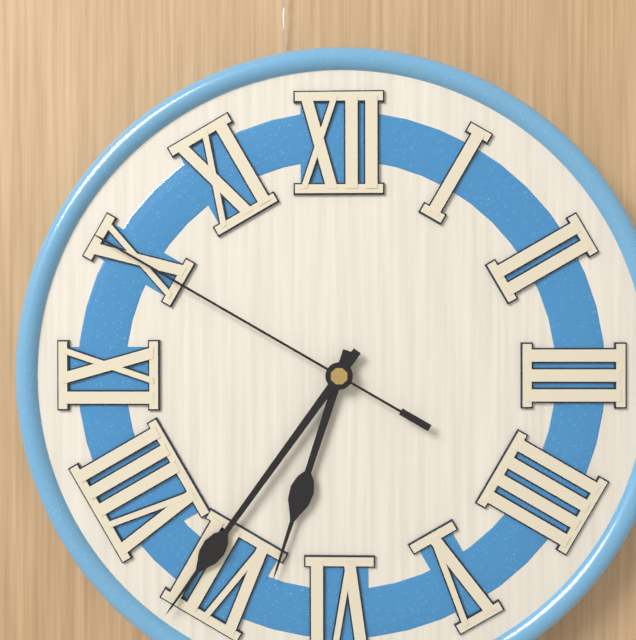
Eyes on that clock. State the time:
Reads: 6:36:50
